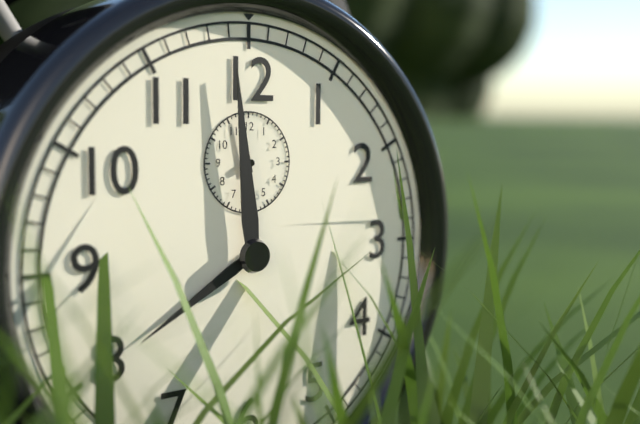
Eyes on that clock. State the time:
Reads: 7:59:58
